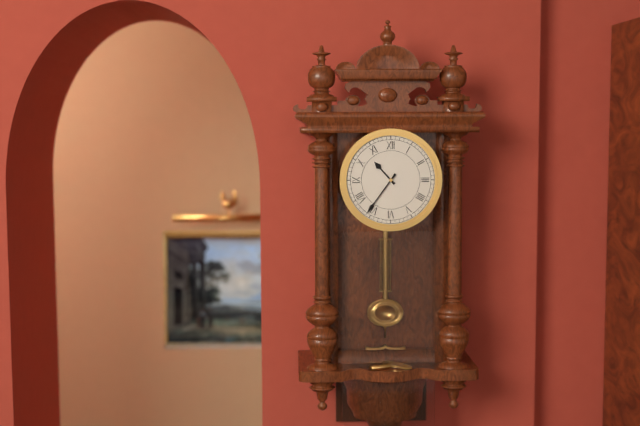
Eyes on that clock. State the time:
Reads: 10:36
